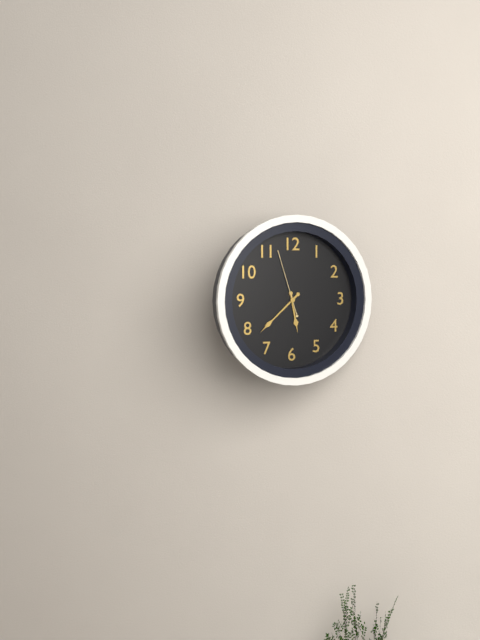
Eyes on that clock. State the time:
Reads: 5:38:57
